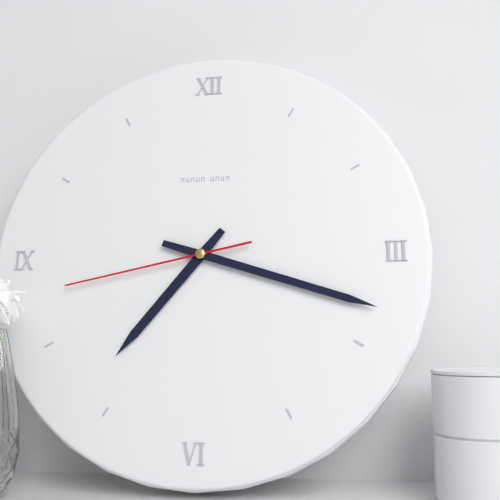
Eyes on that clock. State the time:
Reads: 7:18:43
